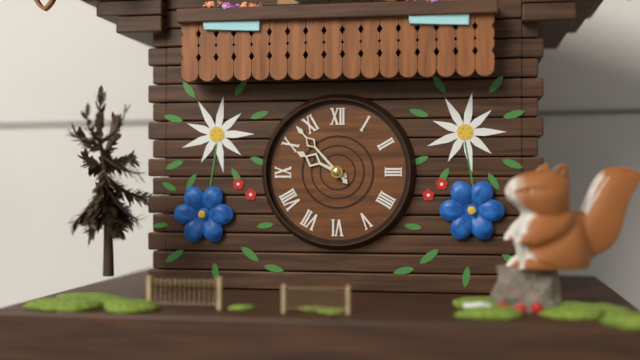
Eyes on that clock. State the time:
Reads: 9:53
